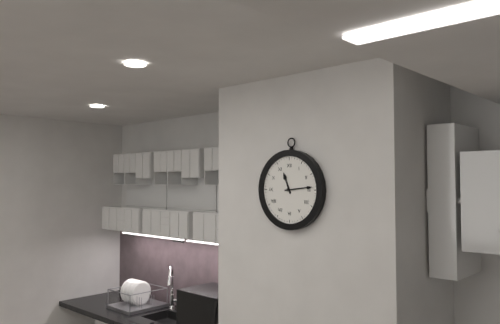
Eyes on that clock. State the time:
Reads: 11:14
